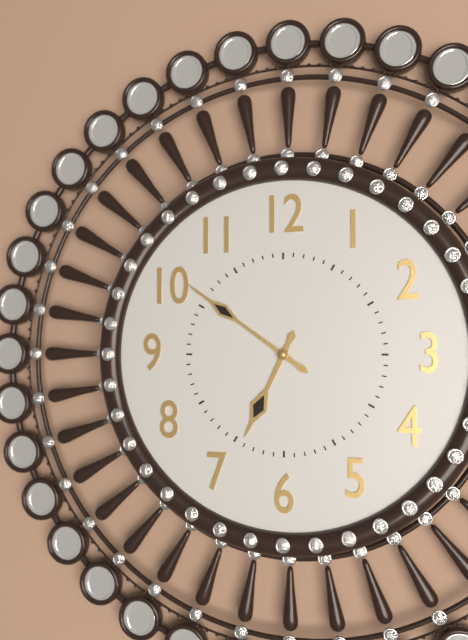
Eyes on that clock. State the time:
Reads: 6:51
